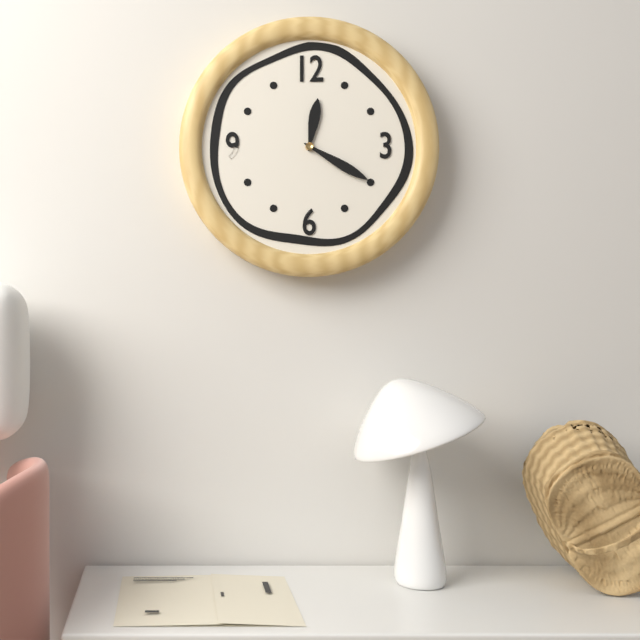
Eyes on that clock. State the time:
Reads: 12:20
